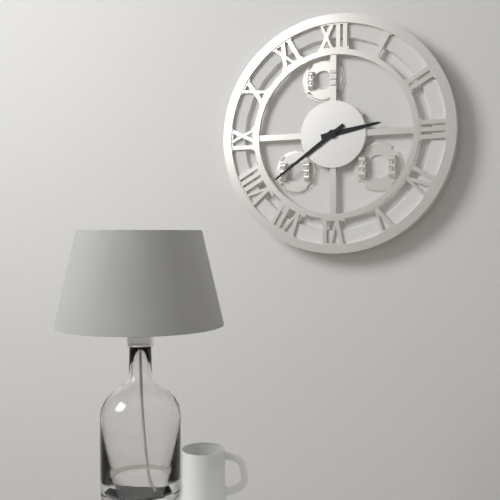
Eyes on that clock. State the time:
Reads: 2:39
